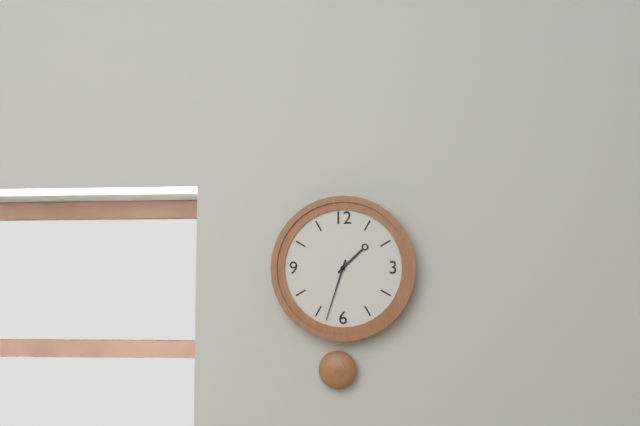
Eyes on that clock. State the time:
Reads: 1:33
